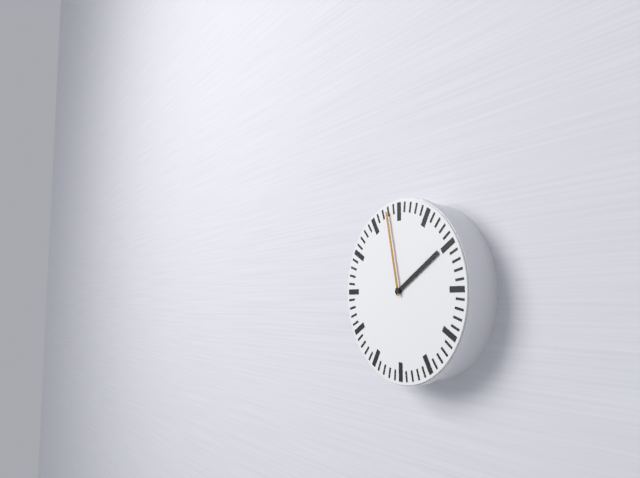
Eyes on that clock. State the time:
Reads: 1:58
